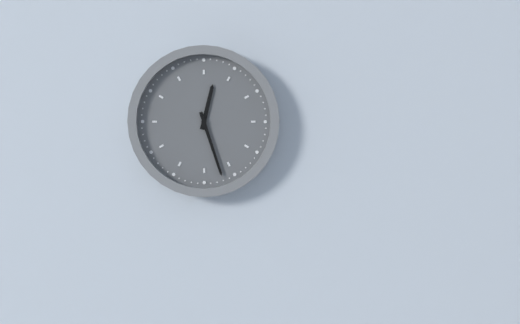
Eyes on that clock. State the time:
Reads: 12:27
